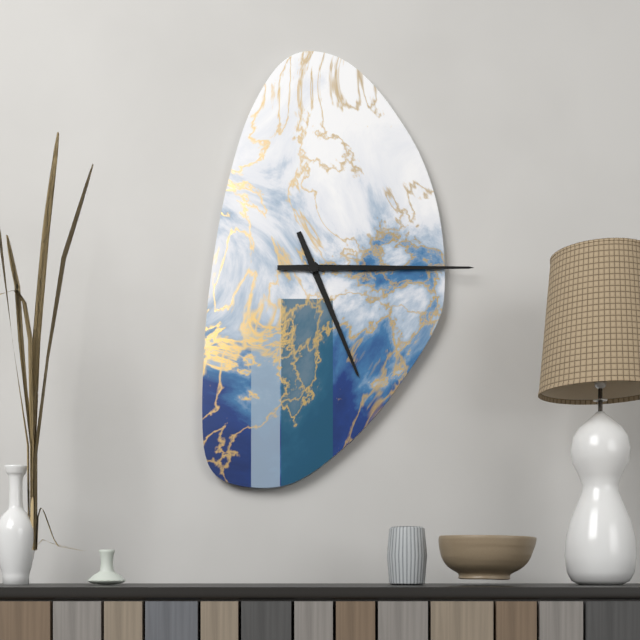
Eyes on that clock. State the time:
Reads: 5:15
